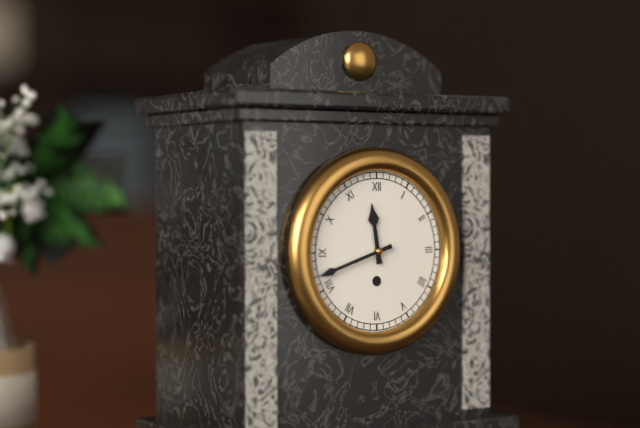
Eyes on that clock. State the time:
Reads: 11:42
